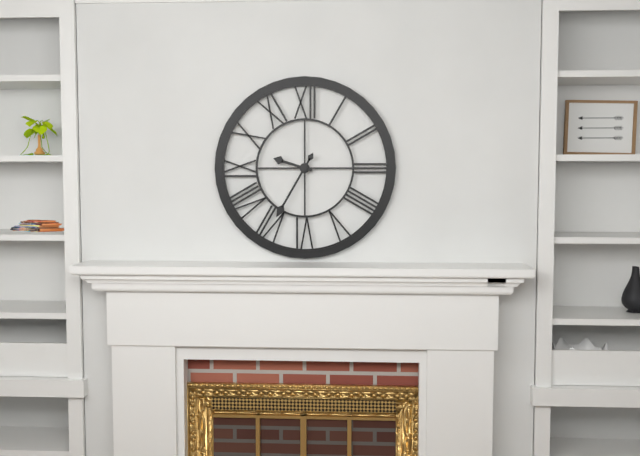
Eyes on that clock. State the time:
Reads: 9:35
